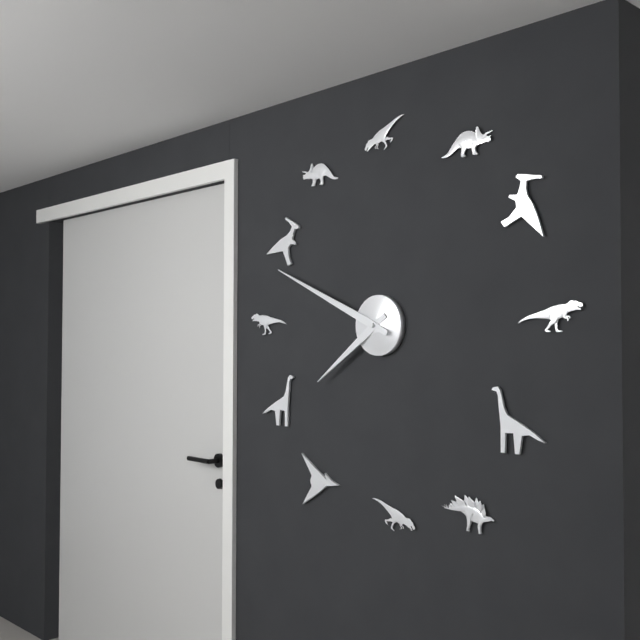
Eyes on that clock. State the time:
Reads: 7:49
